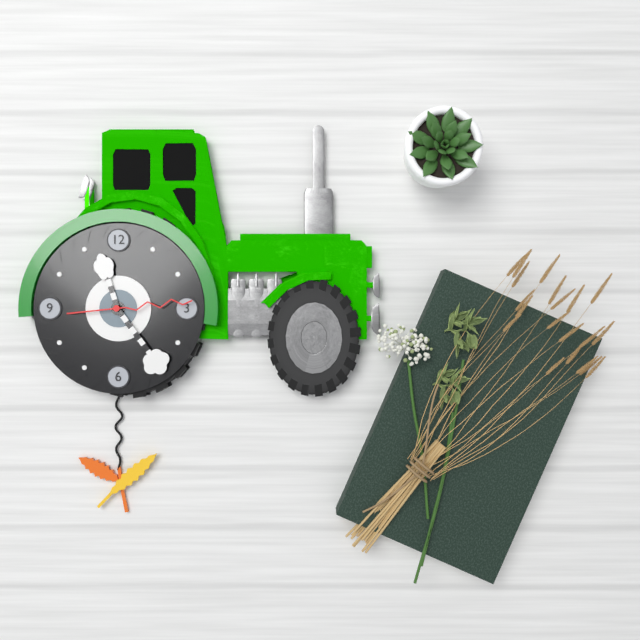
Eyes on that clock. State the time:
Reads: 11:24:14
